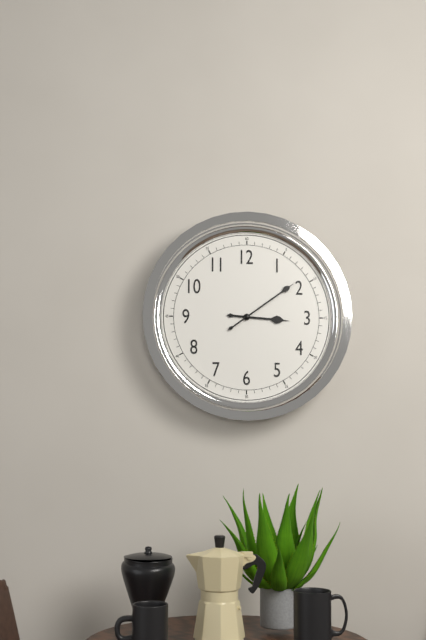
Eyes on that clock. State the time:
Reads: 3:09
